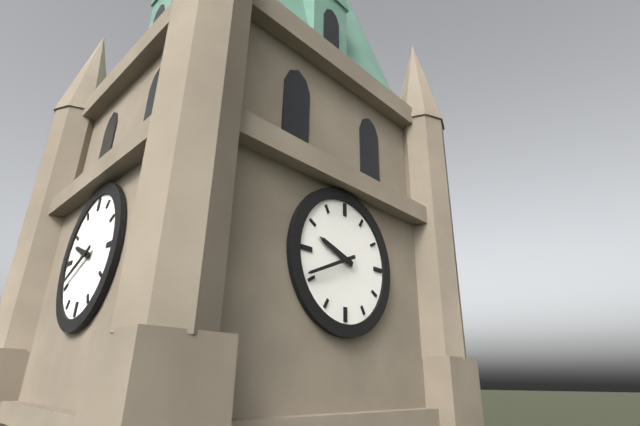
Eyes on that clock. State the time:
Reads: 9:41
